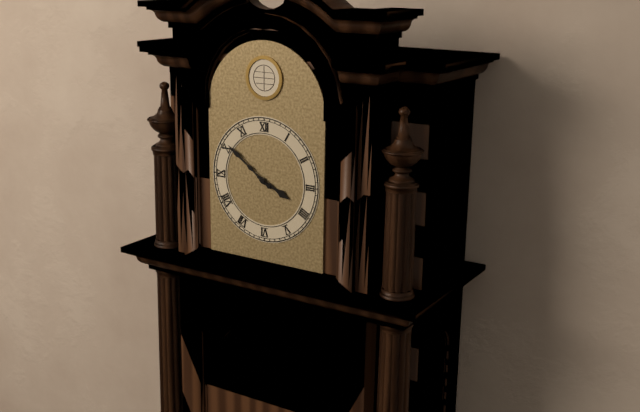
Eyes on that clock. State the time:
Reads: 3:51
